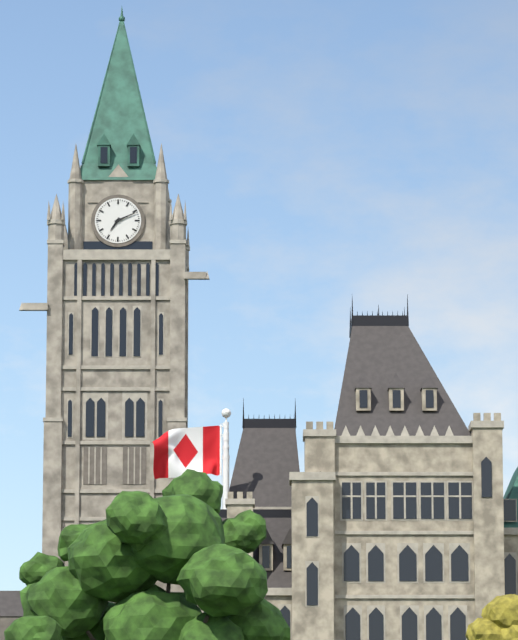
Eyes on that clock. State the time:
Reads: 7:11
